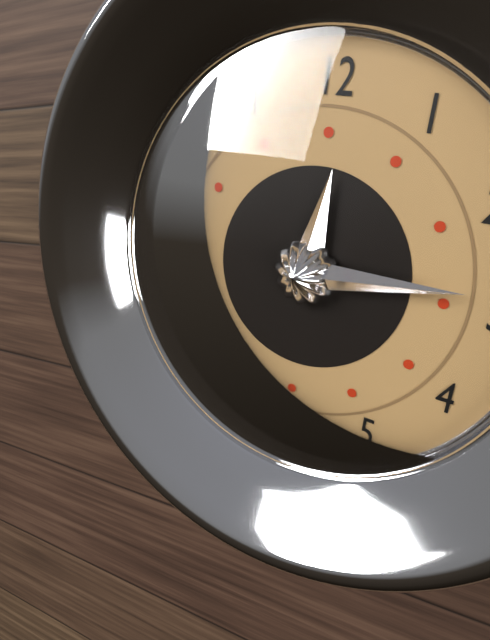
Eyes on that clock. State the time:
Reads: 12:14
